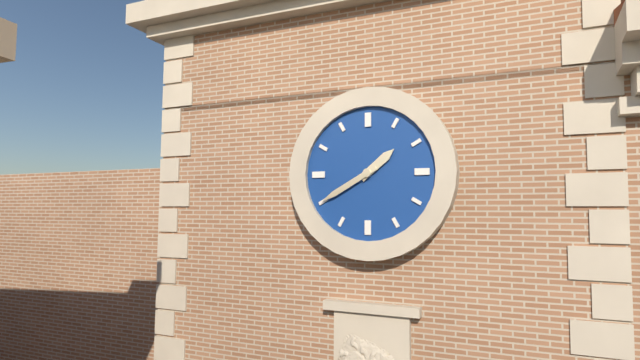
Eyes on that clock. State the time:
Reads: 1:40
